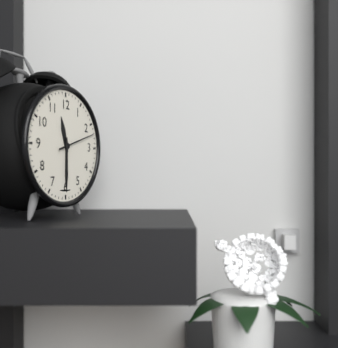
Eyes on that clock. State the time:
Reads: 11:30
